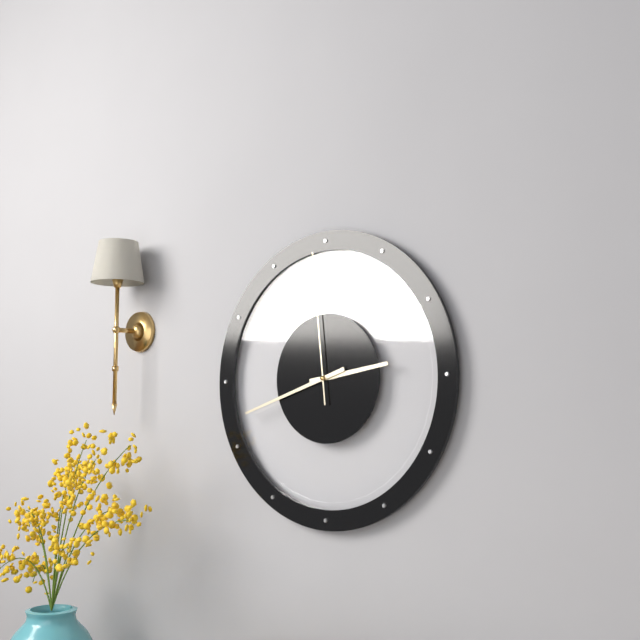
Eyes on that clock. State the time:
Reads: 2:42:59
